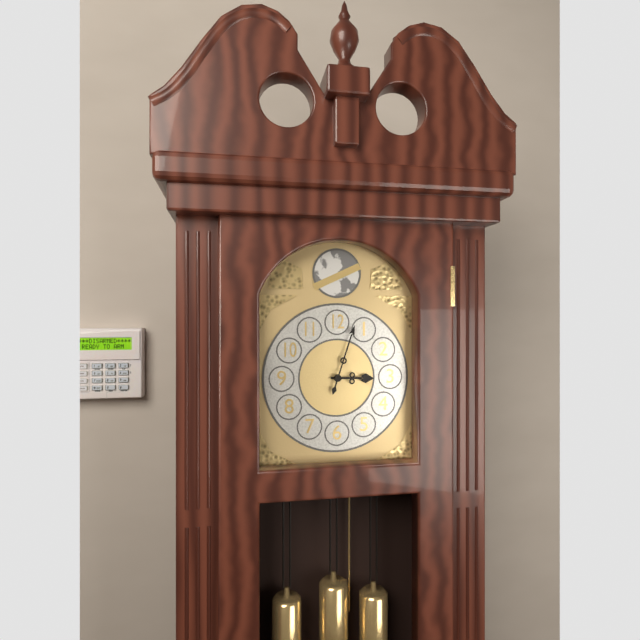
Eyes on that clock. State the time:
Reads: 3:03
